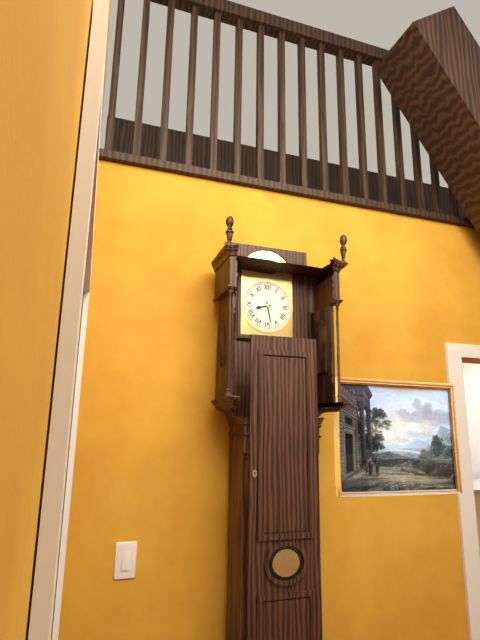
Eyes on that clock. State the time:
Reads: 8:28
